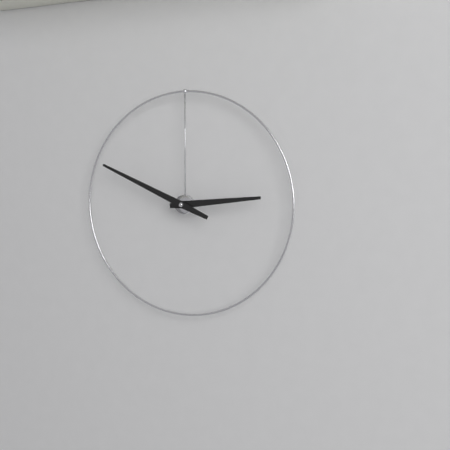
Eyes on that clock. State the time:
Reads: 2:49
